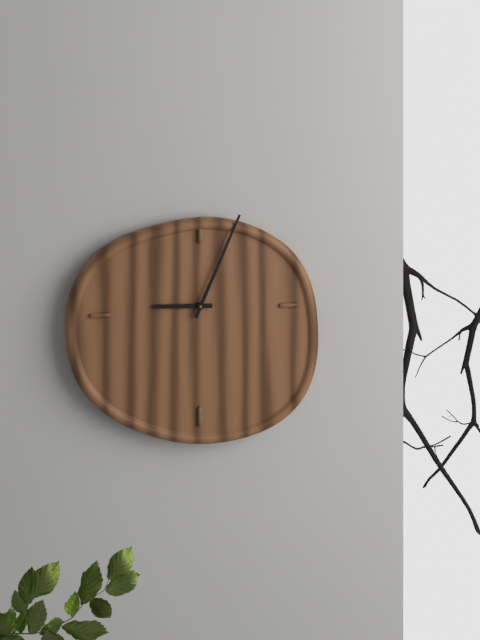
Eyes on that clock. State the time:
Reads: 9:04
